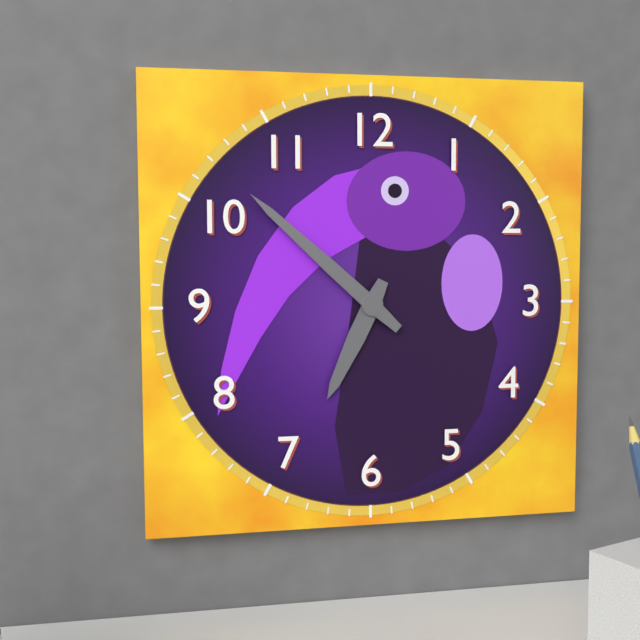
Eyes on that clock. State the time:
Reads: 6:52
